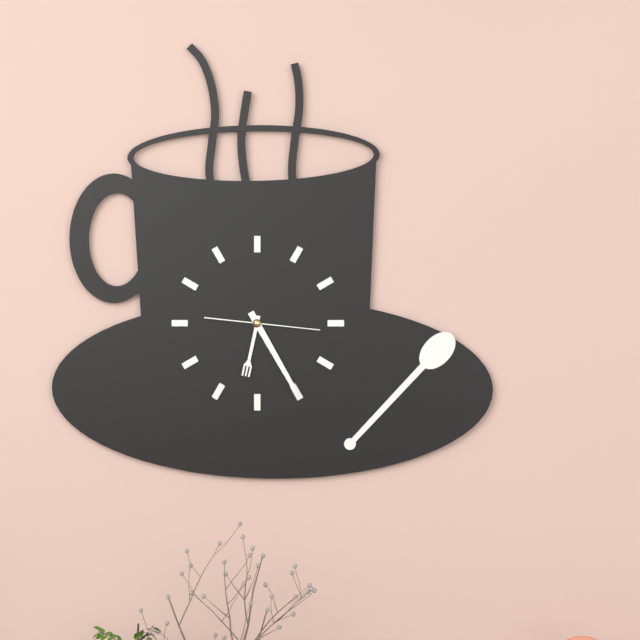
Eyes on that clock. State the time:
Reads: 6:25:16
